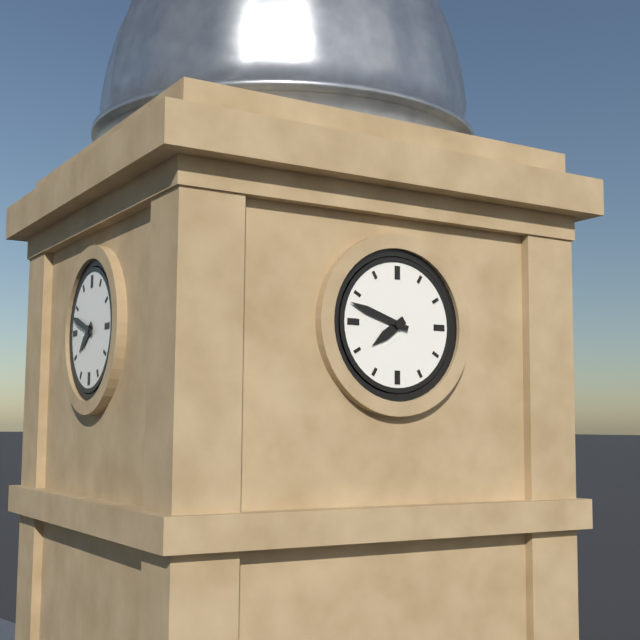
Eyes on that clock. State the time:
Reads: 7:48
